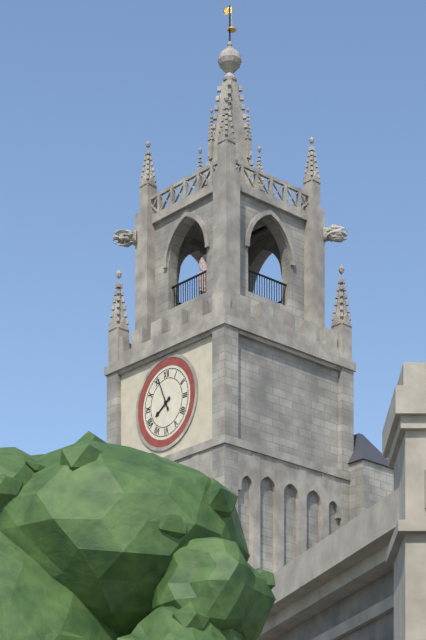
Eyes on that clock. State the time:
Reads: 7:56
